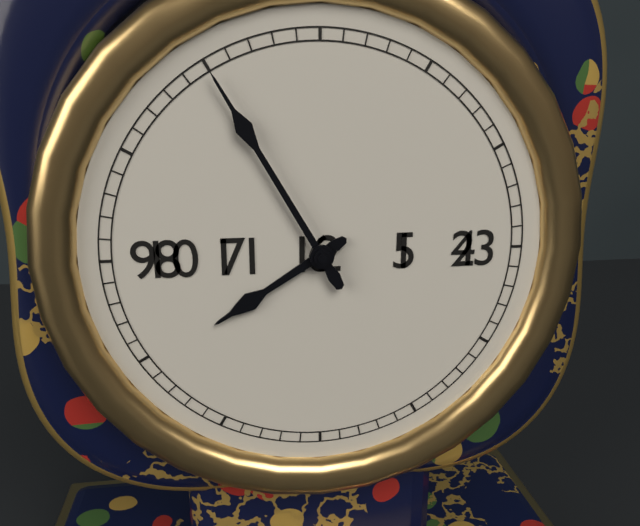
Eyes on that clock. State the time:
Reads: 7:55
